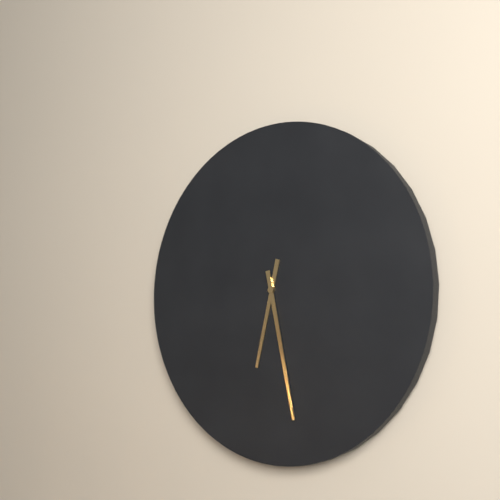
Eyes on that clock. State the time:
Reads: 6:28
